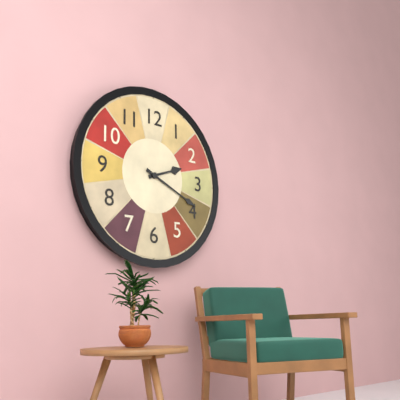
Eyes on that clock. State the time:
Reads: 2:19
